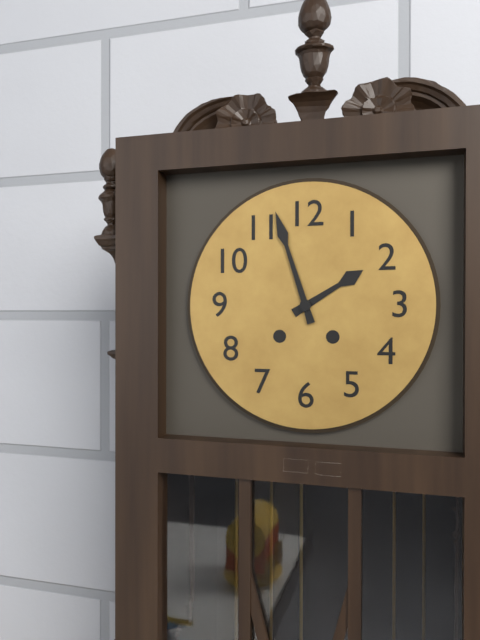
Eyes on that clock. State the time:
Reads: 1:57
